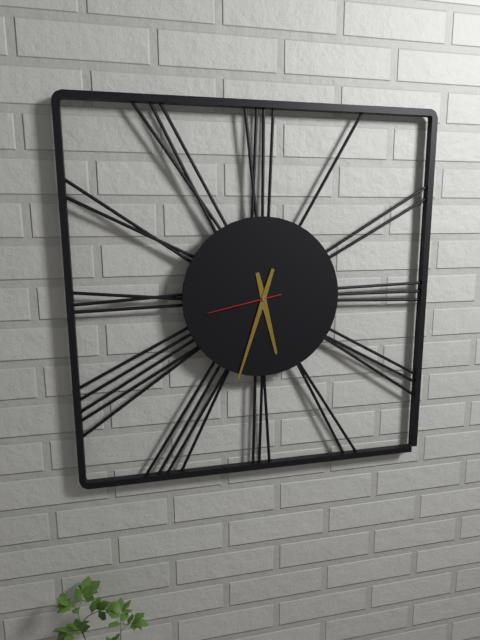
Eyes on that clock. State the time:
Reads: 5:33:43
